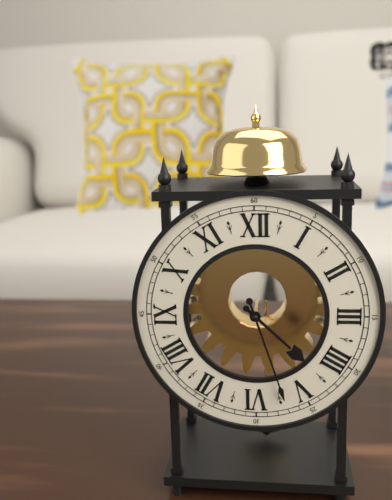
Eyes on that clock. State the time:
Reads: 4:27
